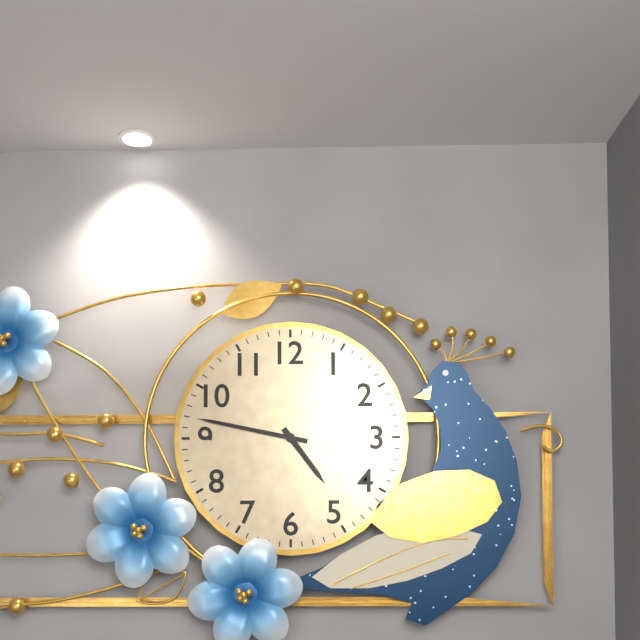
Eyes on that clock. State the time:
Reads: 4:47
